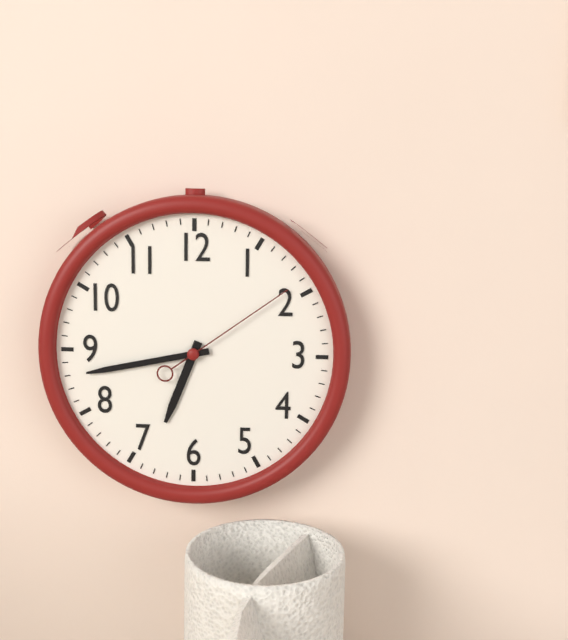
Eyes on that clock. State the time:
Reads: 6:43:09
